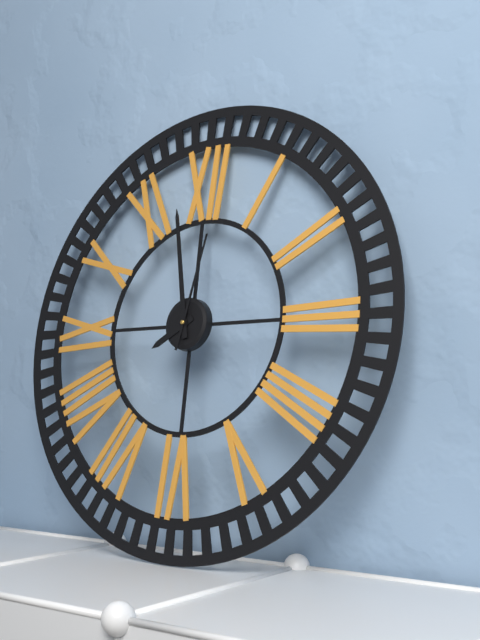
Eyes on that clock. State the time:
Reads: 7:58:02
